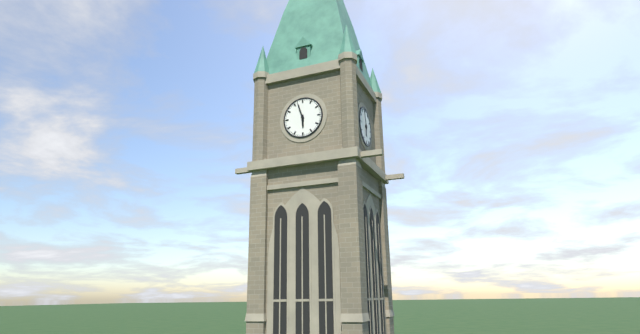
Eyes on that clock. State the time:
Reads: 5:57
